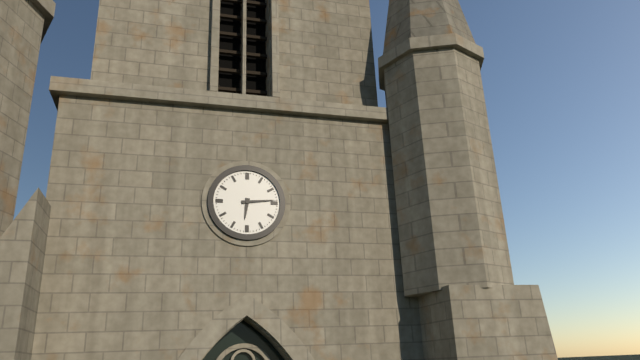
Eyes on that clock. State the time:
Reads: 6:14
